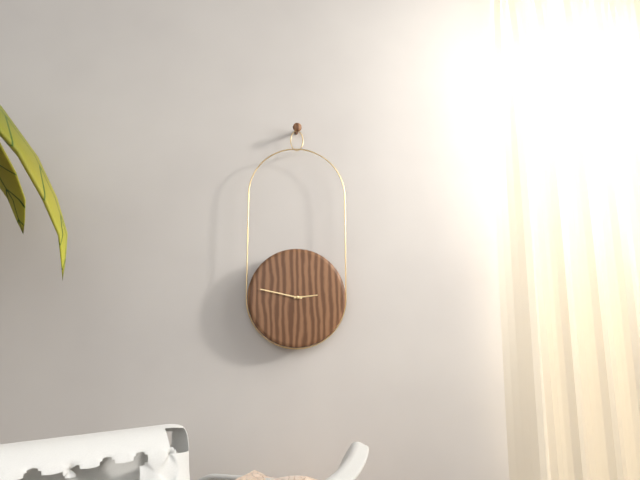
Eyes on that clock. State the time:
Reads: 2:47
